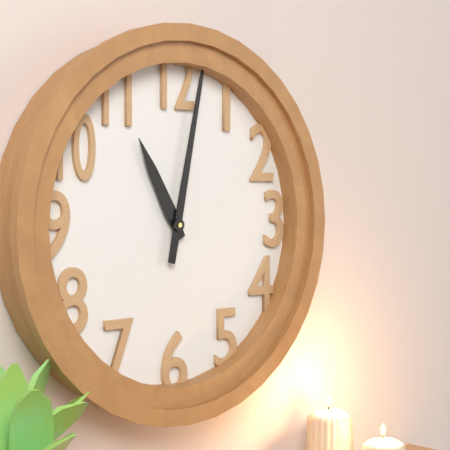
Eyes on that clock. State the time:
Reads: 11:02
